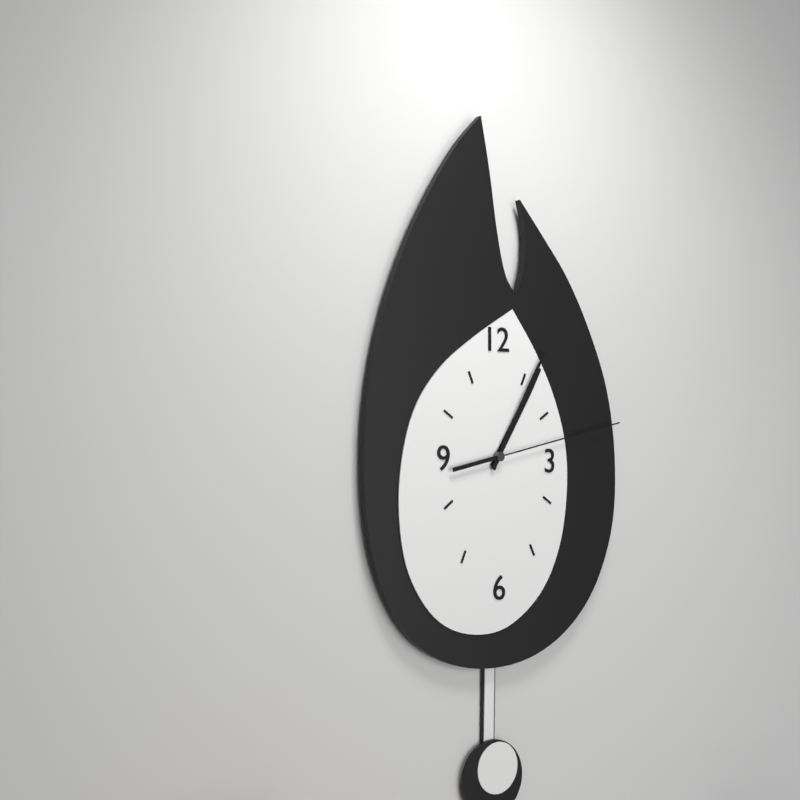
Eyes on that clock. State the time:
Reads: 1:05:13
